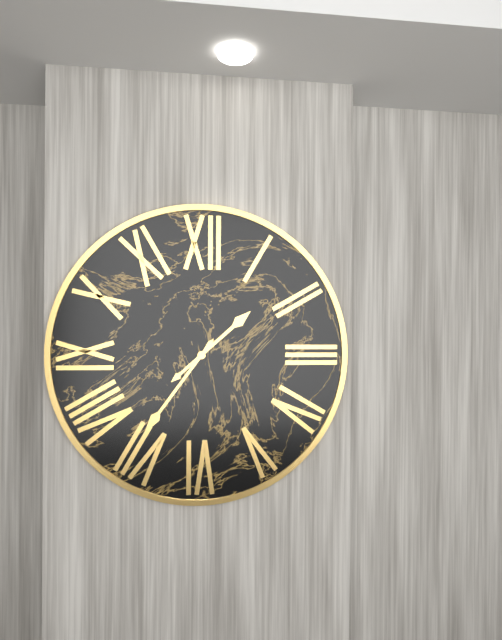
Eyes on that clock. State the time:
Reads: 1:36
